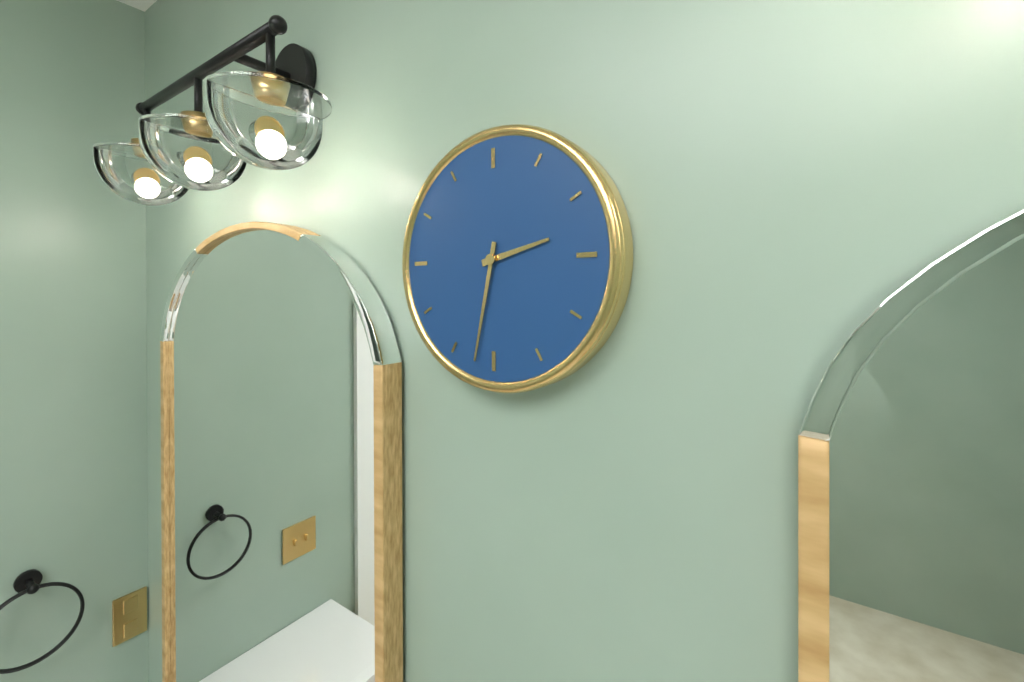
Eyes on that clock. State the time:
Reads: 2:32
